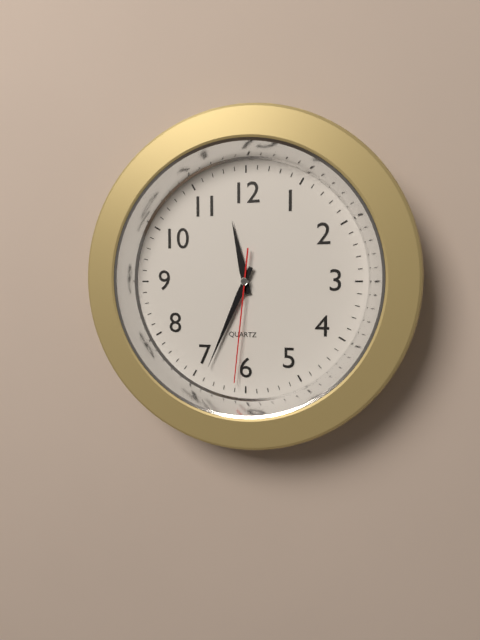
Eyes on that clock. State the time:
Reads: 11:34:31
